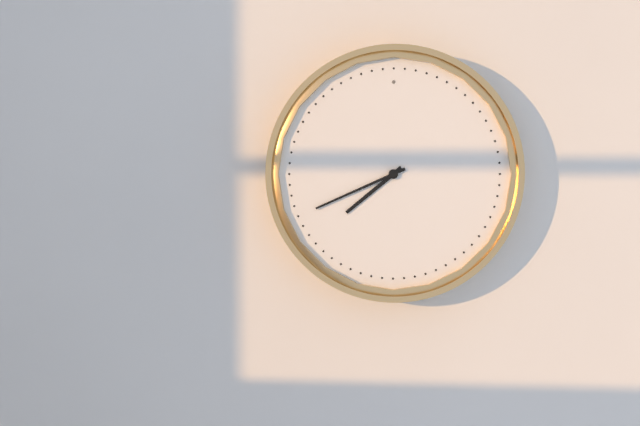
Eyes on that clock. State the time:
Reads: 7:41
